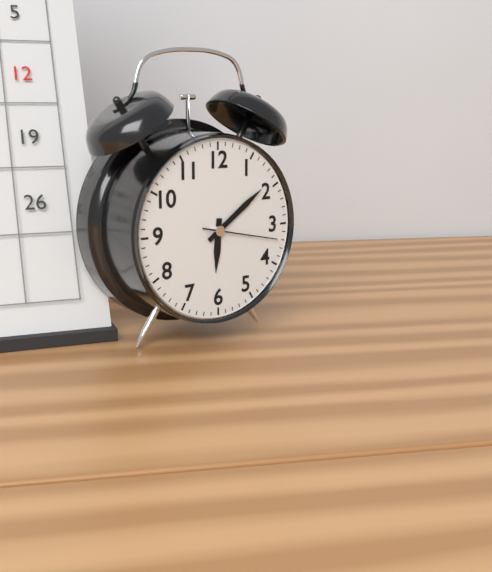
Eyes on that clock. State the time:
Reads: 6:09:17
